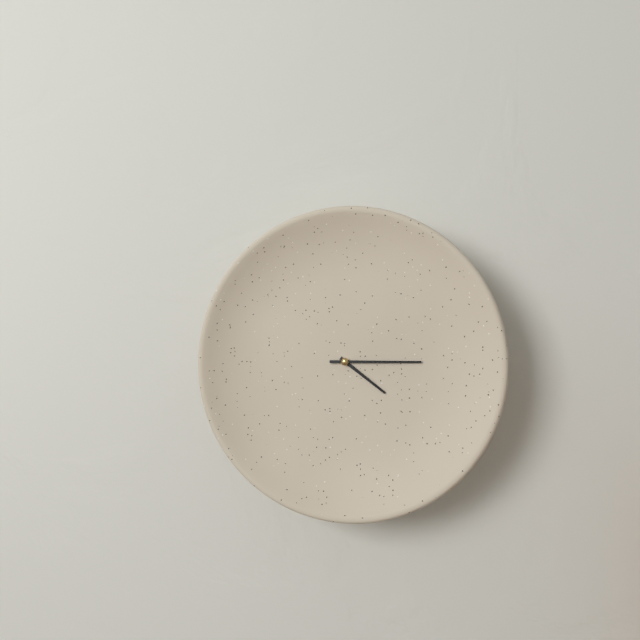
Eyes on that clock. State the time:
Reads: 4:15
